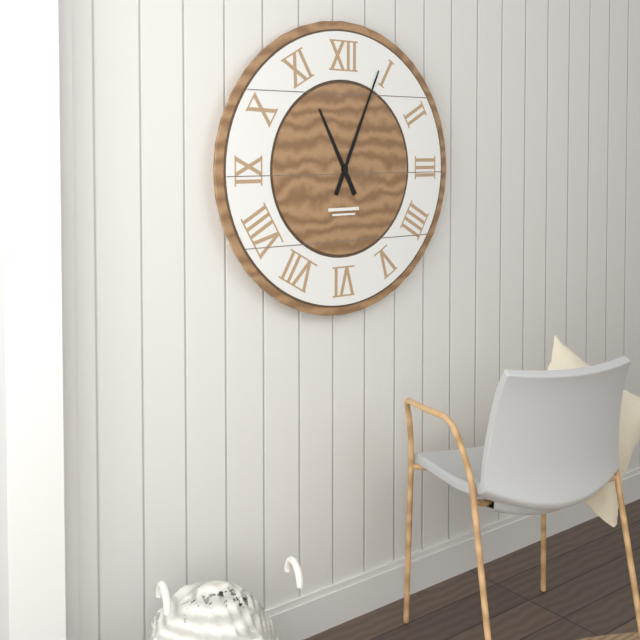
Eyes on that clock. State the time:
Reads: 11:04
